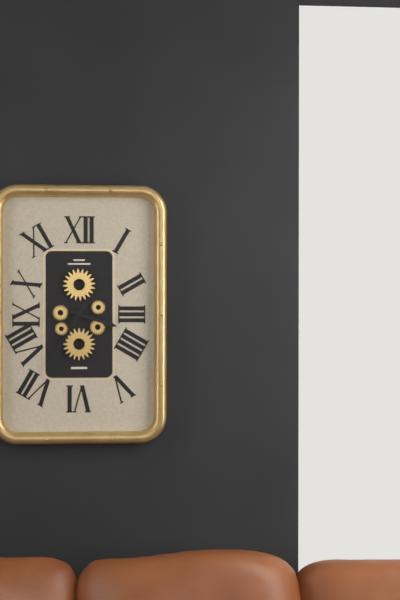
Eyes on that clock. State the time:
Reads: 3:35
